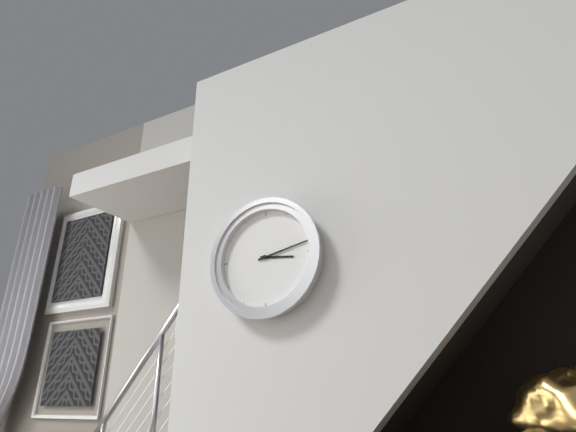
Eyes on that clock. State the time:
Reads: 3:13
